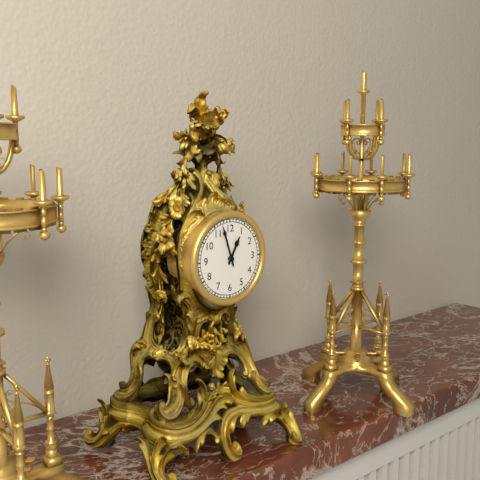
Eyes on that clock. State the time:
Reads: 12:57
